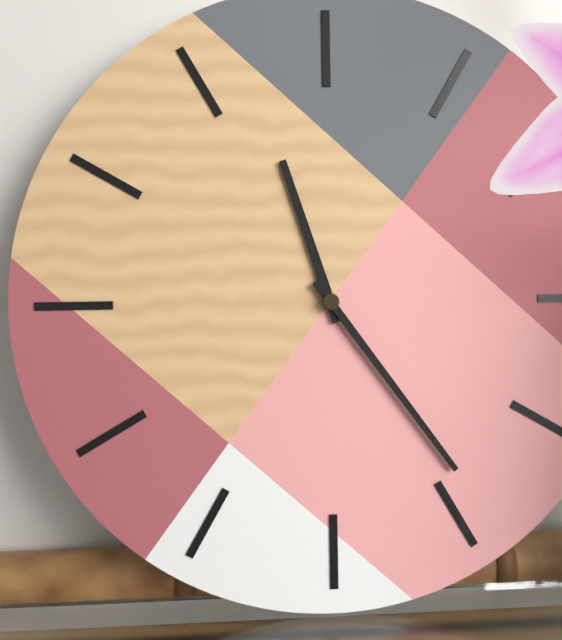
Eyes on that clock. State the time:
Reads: 11:24
